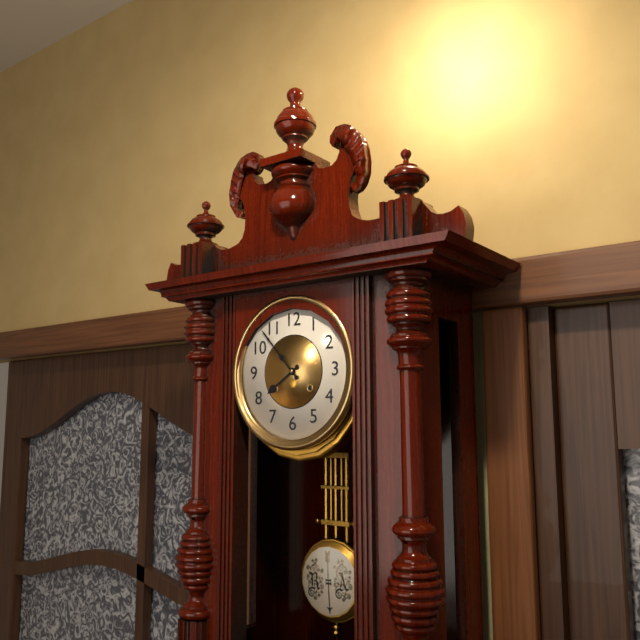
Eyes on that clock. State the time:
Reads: 7:53
